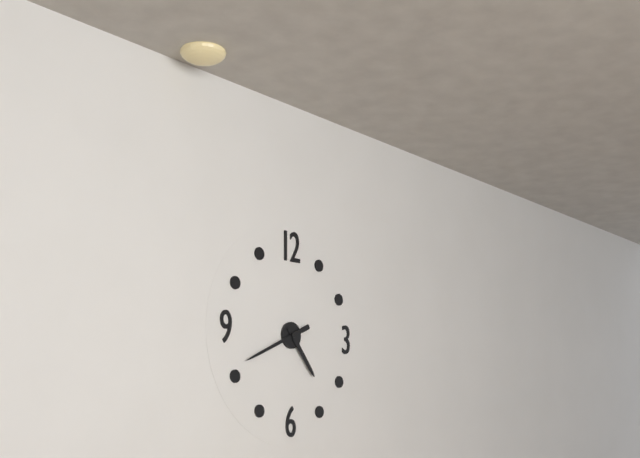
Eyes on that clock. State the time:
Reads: 4:41
